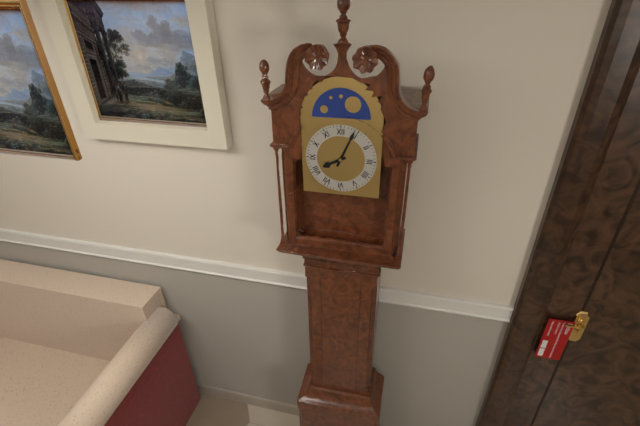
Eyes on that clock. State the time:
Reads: 8:04
